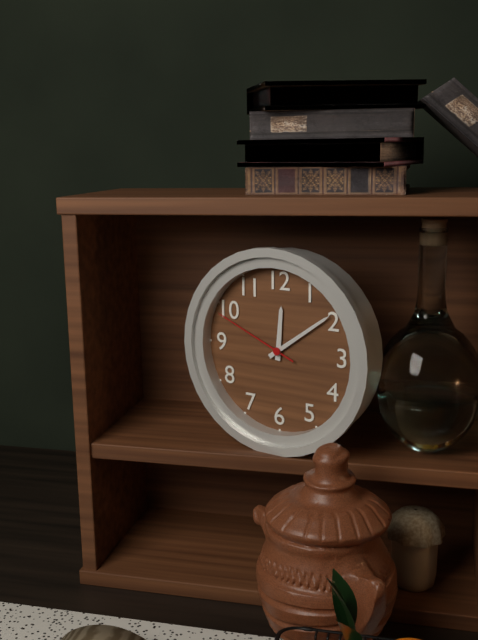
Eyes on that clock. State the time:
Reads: 12:09:49
